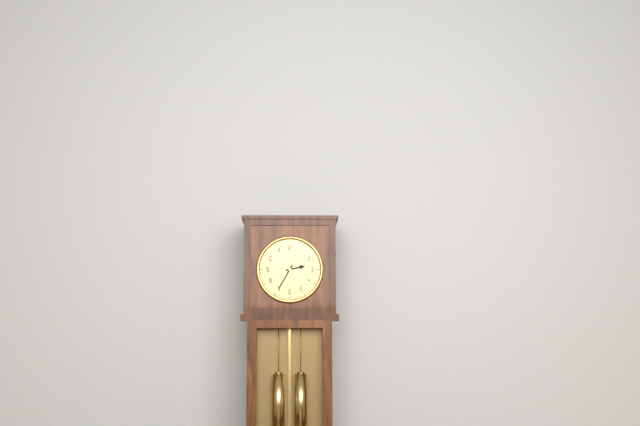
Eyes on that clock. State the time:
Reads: 2:35
